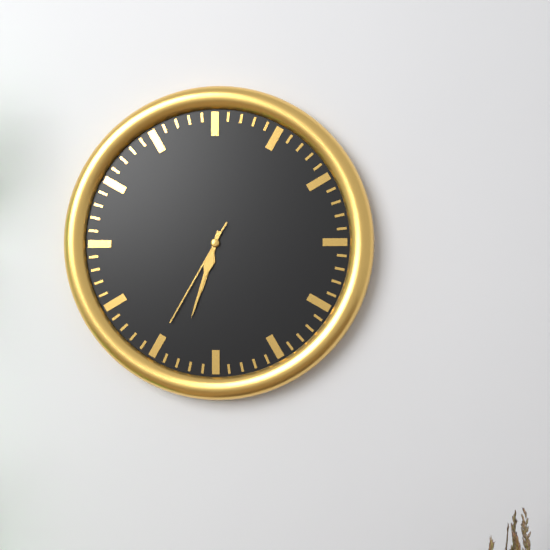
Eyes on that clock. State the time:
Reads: 6:33:35
